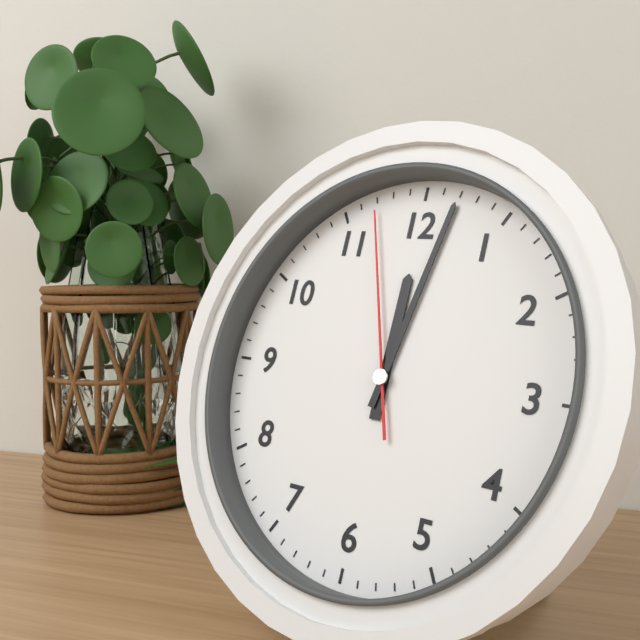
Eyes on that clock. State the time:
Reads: 12:02:57
